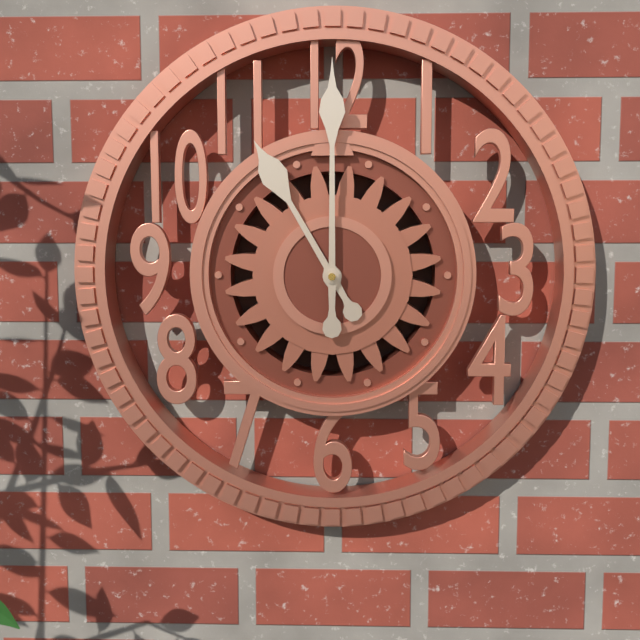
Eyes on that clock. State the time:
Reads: 11:00
